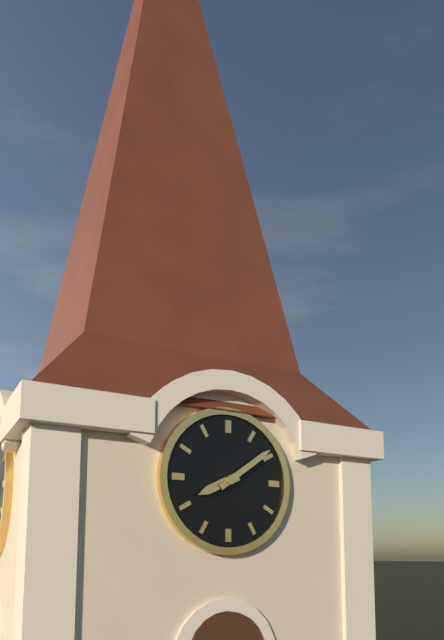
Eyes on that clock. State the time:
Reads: 8:09
